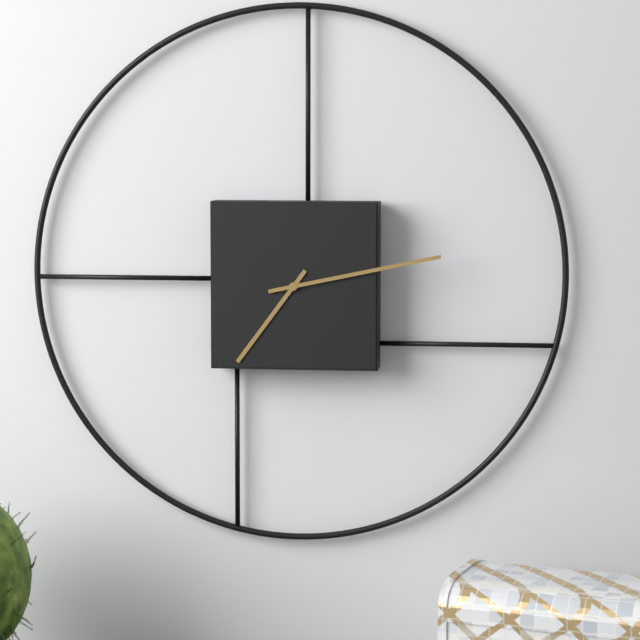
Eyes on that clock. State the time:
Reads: 7:13
